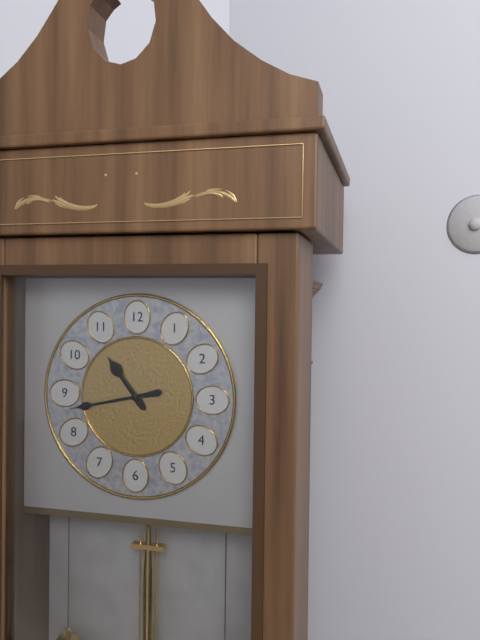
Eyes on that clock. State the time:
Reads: 10:43
